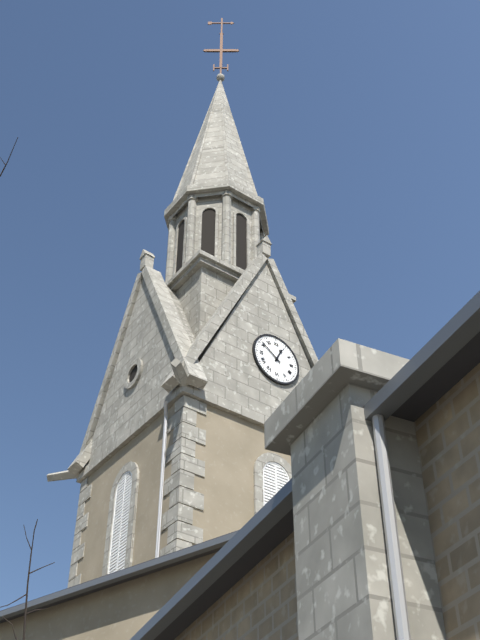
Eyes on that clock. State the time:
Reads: 12:51
